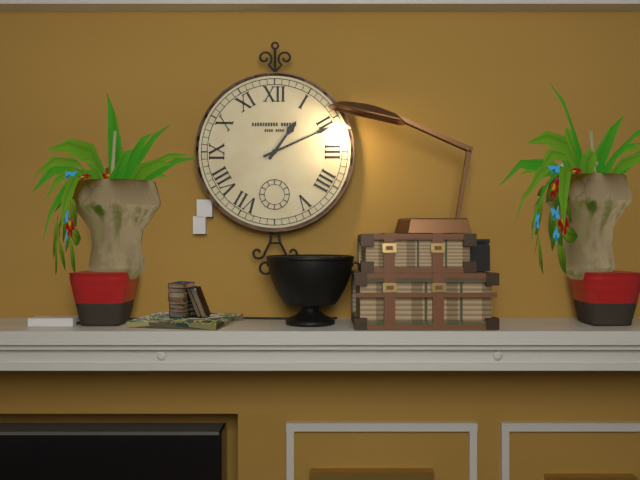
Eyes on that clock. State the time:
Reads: 1:11
